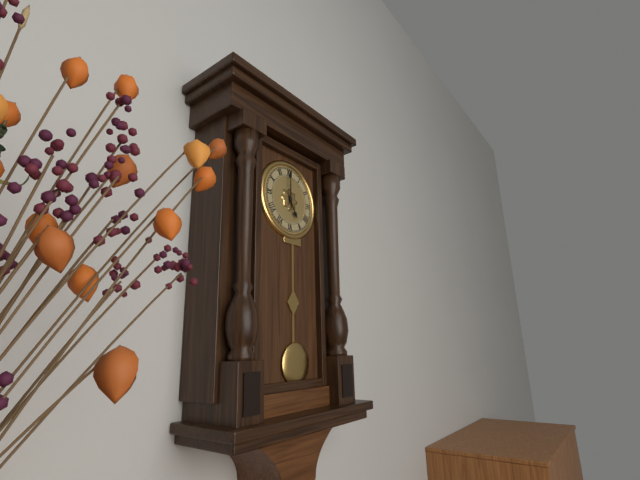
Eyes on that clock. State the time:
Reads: 5:00
